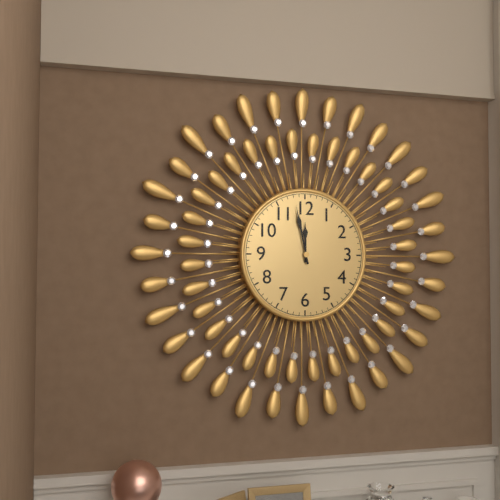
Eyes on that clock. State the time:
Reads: 11:58
